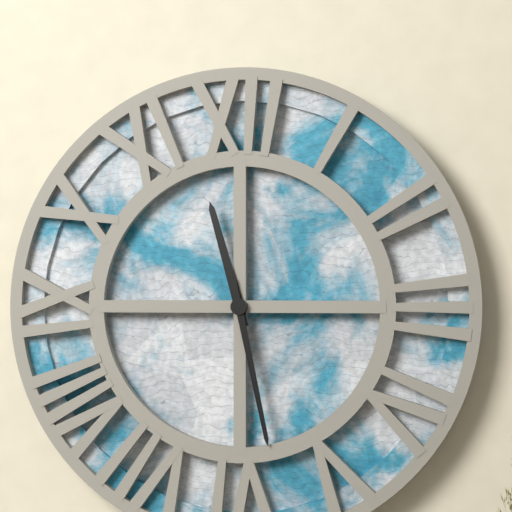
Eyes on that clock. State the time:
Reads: 11:28
